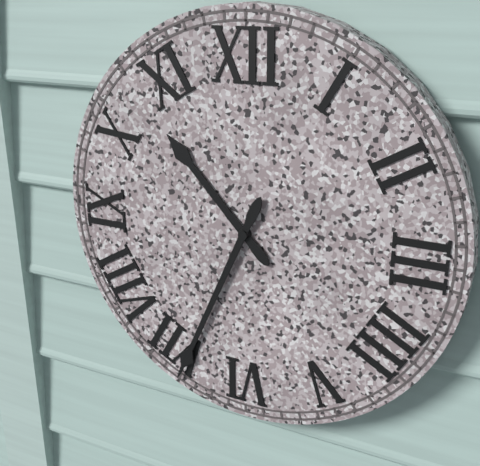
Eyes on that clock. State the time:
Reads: 10:34
